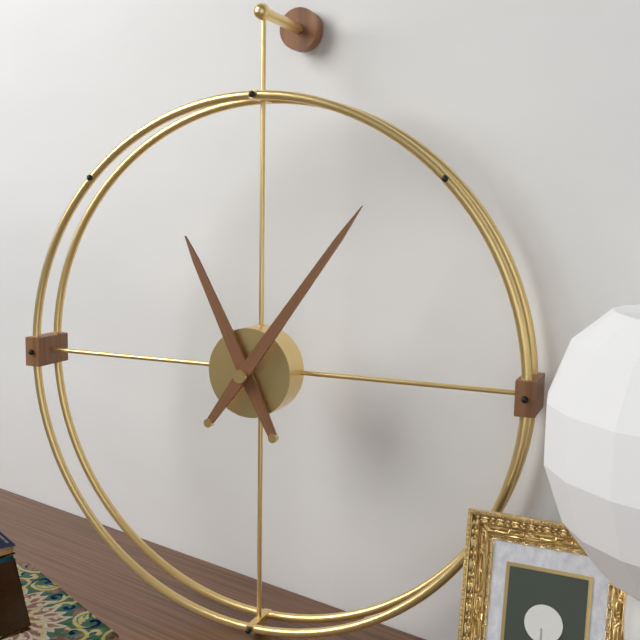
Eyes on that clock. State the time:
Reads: 11:06
